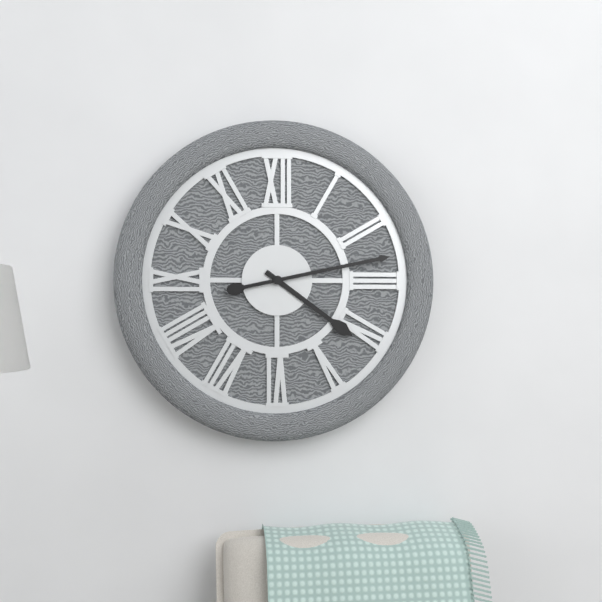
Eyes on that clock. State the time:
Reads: 4:13
